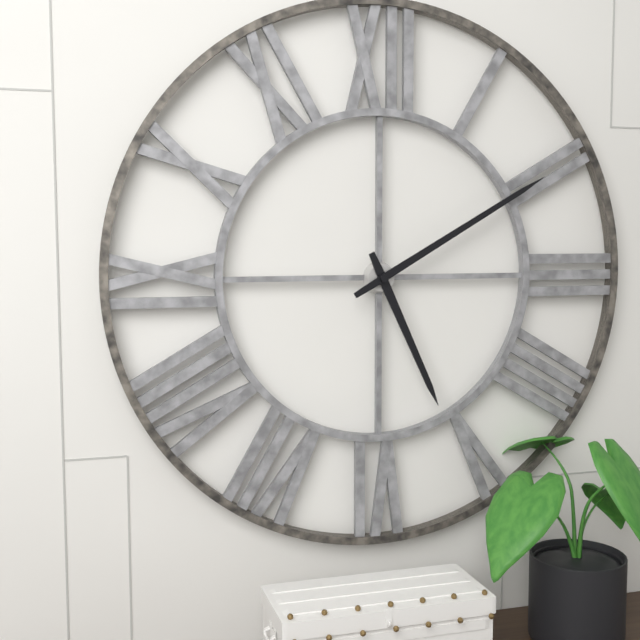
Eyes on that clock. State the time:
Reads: 5:10
